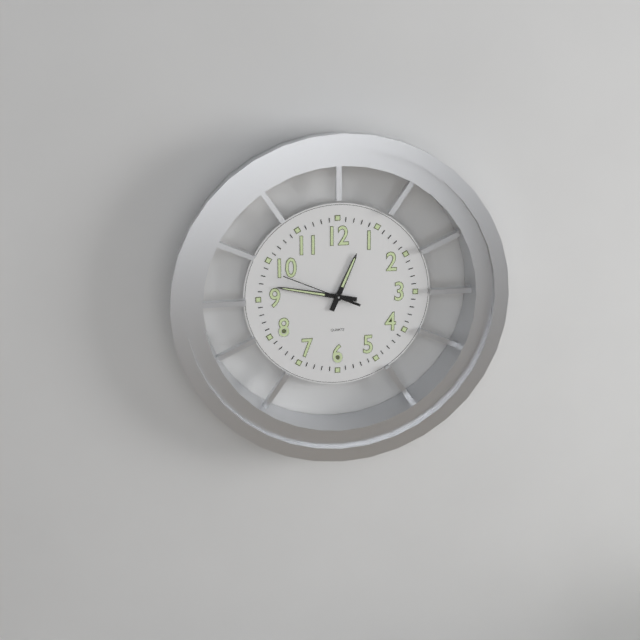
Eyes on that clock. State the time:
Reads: 12:47:49
